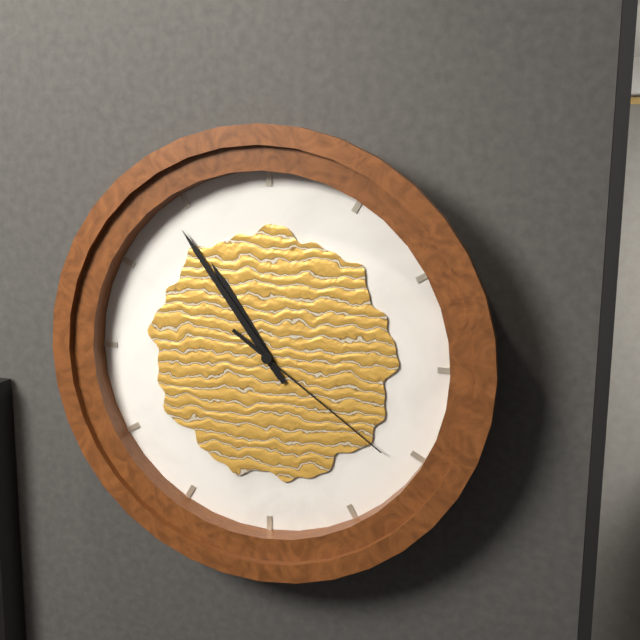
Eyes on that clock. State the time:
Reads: 10:54:21
